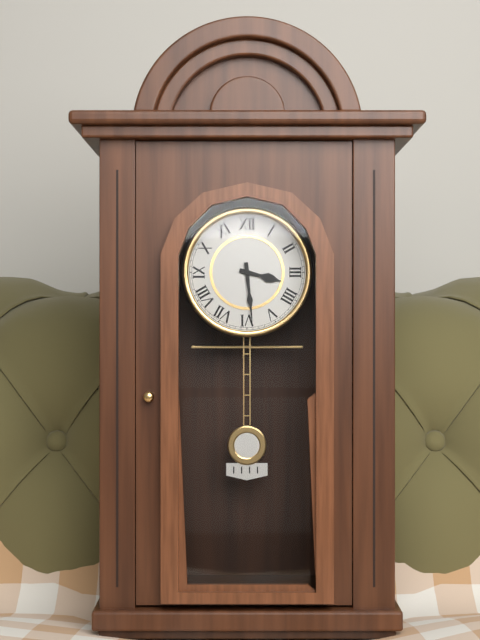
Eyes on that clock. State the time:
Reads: 3:29
